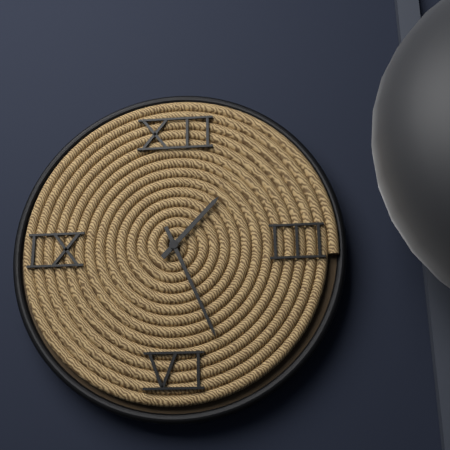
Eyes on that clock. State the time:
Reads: 1:26
